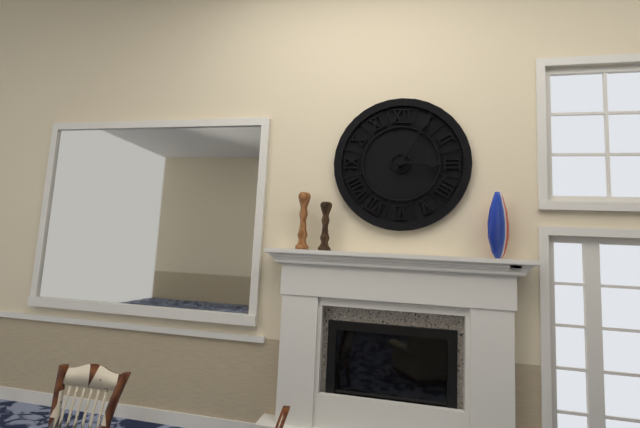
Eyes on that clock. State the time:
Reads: 3:05
